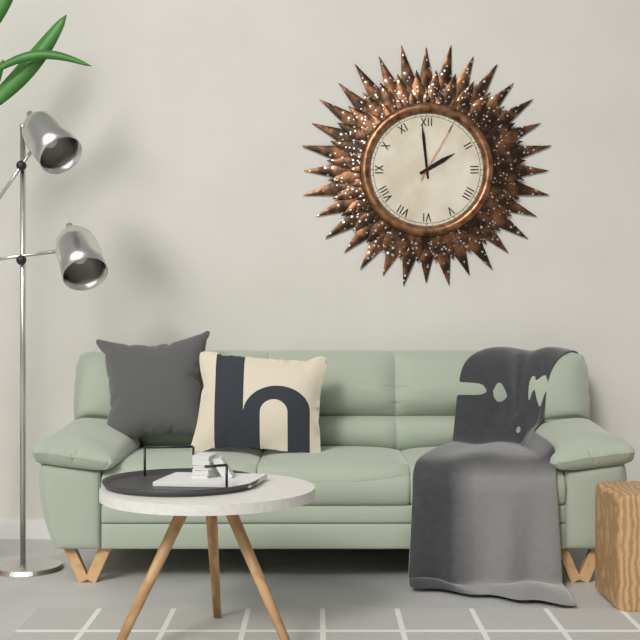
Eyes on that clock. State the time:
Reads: 1:59:05
